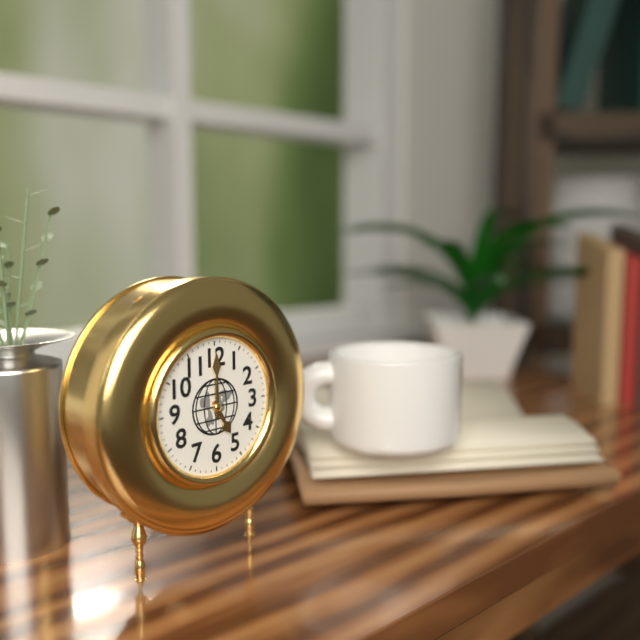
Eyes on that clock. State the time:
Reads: 5:00
